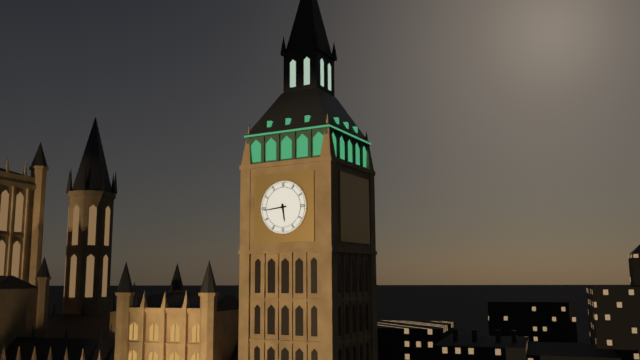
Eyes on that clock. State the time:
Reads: 5:44
